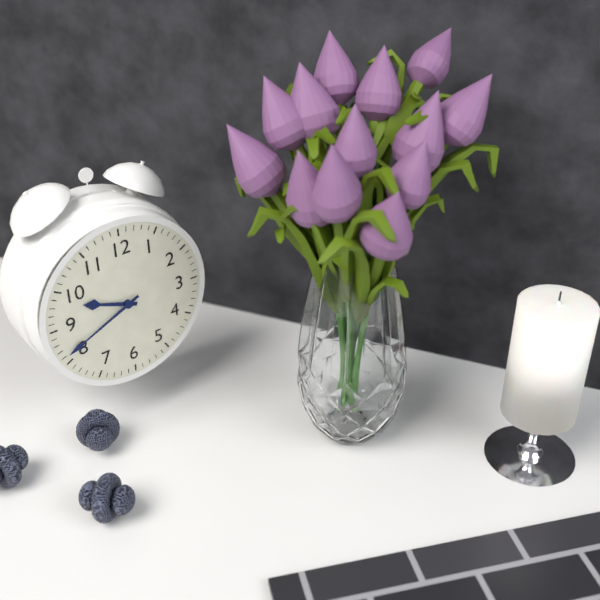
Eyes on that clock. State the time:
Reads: 9:41
